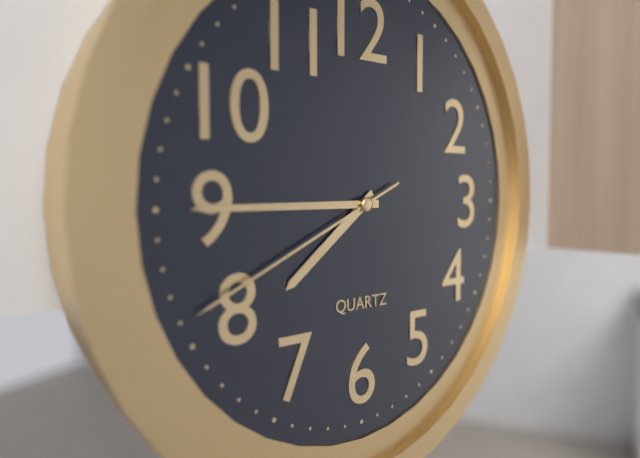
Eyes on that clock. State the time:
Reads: 7:45:41
